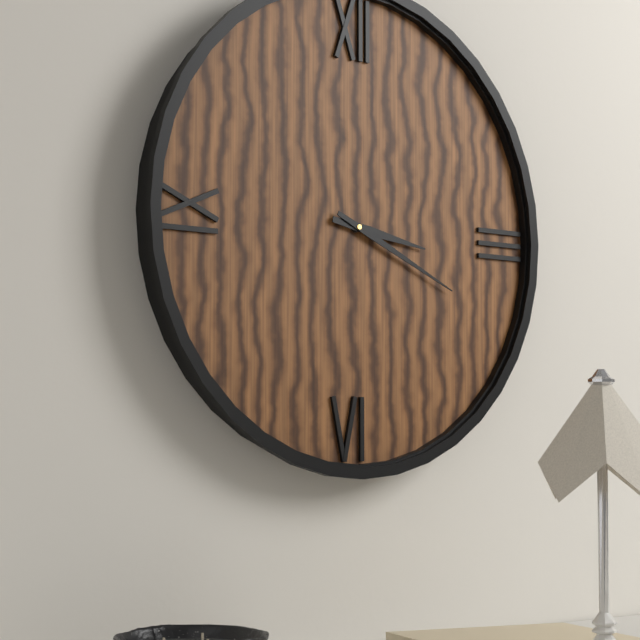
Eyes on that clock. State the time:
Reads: 3:19
